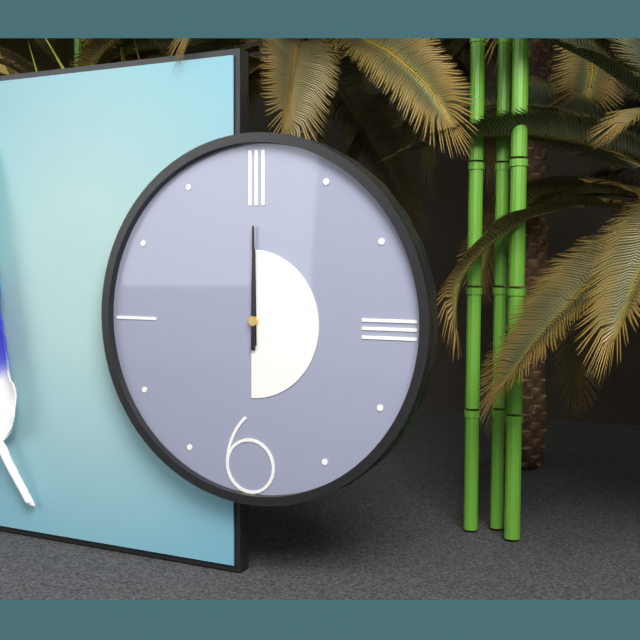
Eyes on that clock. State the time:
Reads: 12:00
